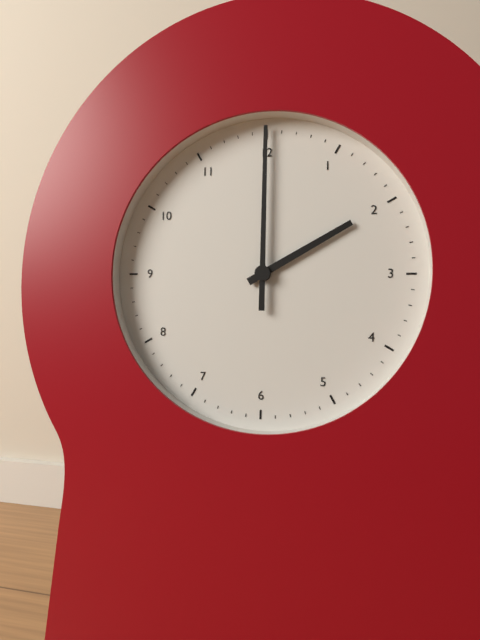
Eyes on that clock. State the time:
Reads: 2:00
